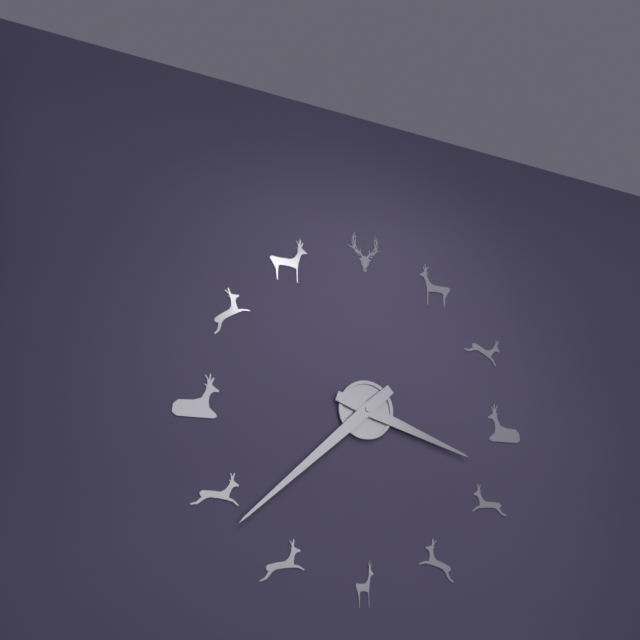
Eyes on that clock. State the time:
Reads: 3:38
